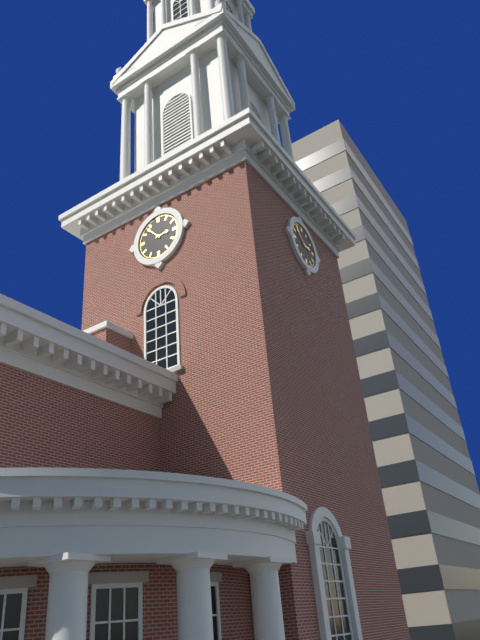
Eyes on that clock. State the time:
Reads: 2:53
